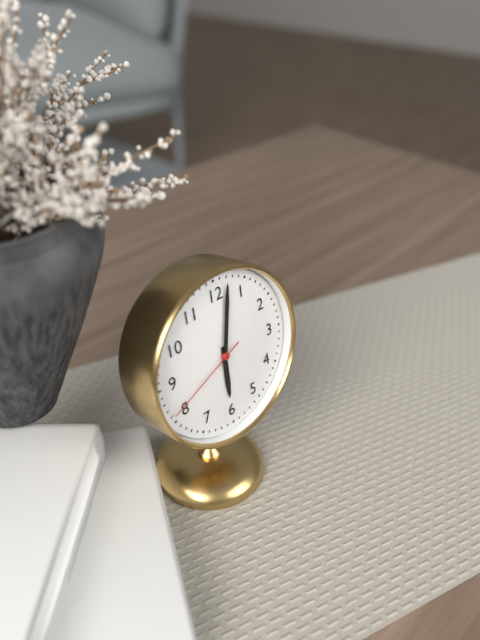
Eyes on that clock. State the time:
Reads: 6:02:41
